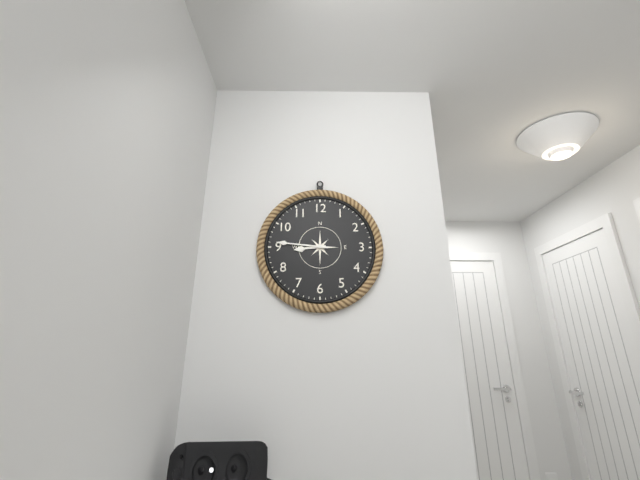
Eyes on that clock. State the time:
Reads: 8:46
